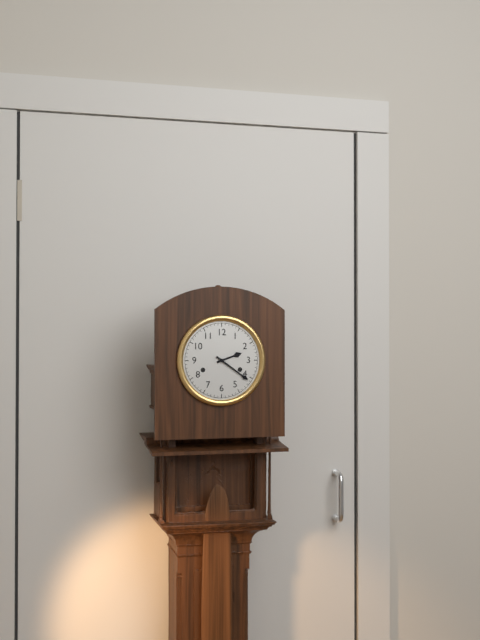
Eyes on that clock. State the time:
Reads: 2:21
